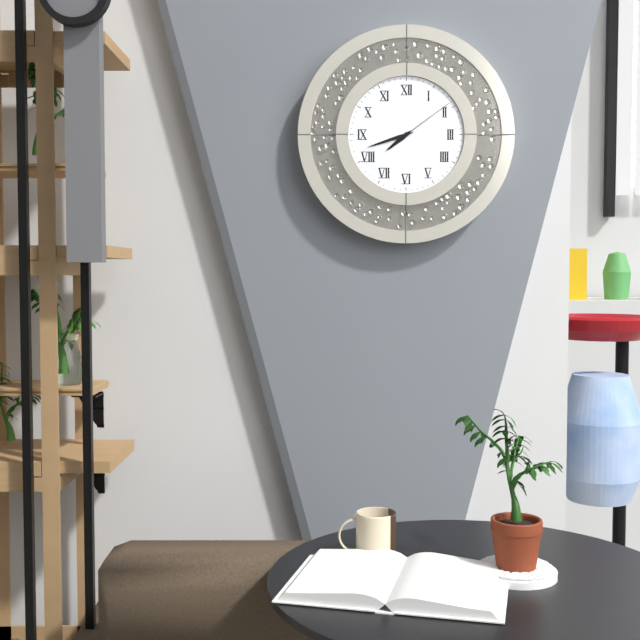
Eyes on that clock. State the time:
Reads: 7:42:09
